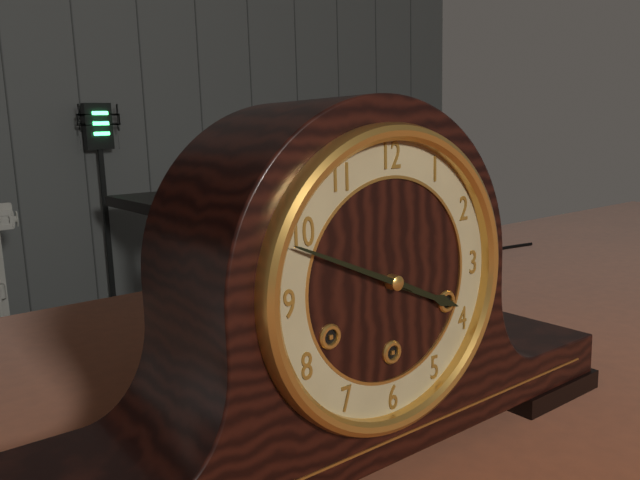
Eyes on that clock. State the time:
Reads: 3:49
